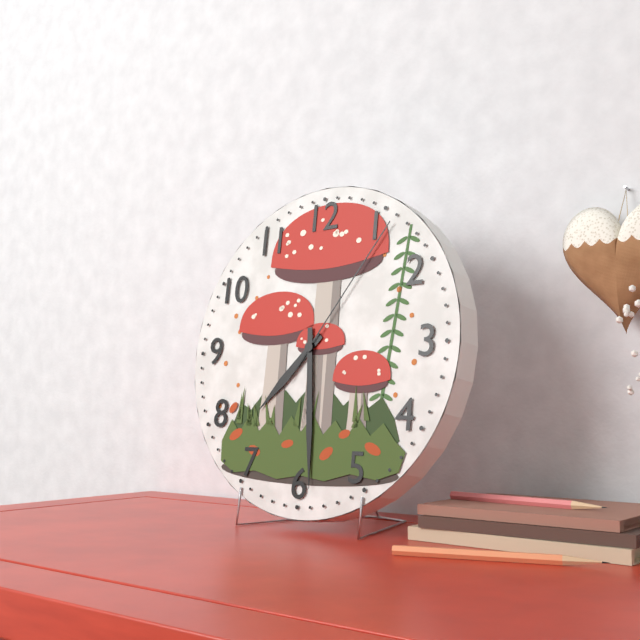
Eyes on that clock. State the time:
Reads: 7:29:06
